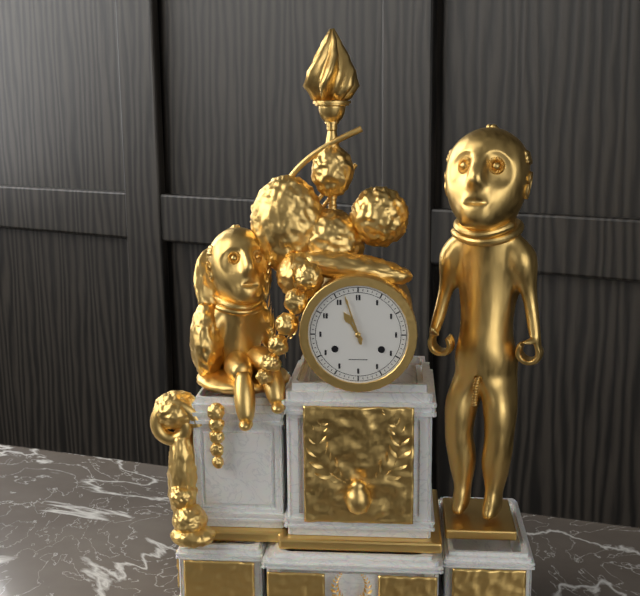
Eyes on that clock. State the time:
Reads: 10:57
